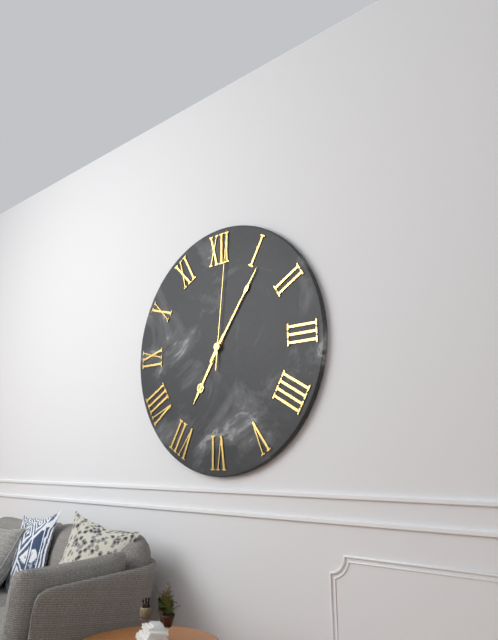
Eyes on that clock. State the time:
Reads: 7:06:01
